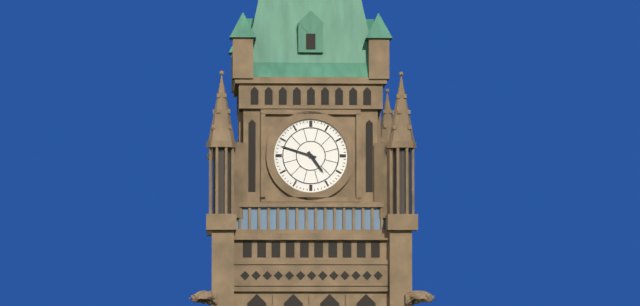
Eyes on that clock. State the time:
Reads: 4:48
